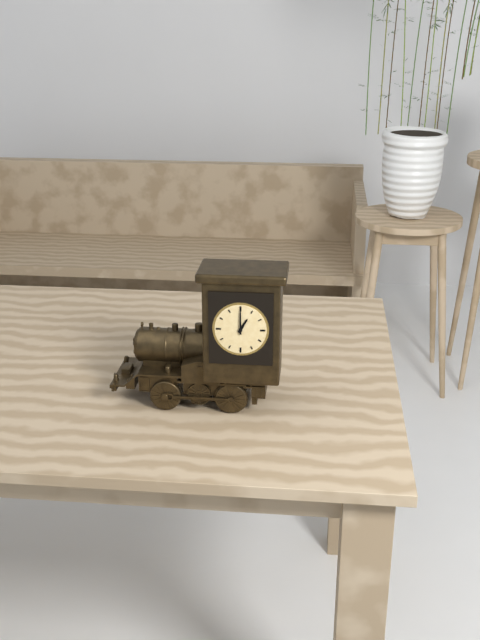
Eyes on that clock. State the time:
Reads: 1:00
